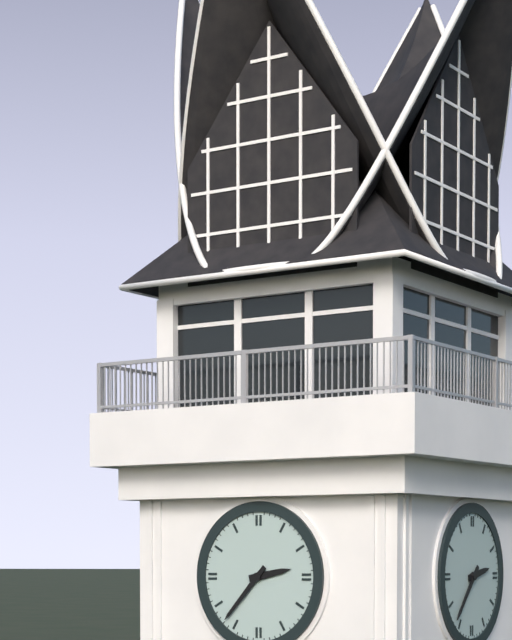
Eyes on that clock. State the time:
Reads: 2:37
